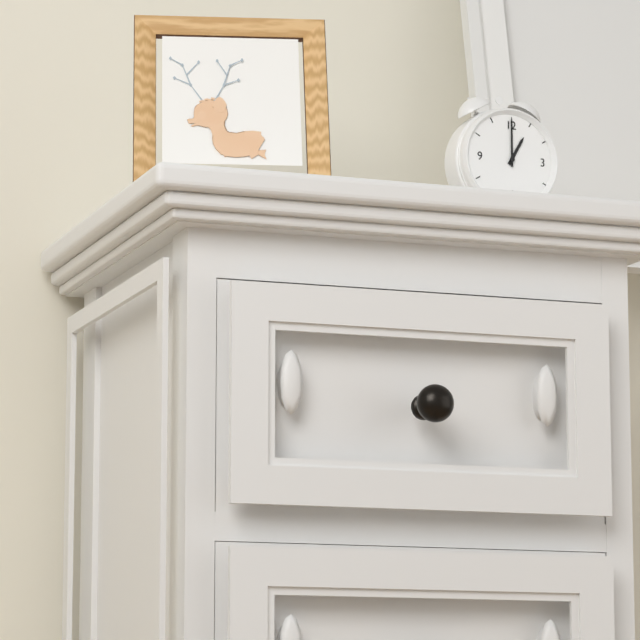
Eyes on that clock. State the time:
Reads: 1:00
